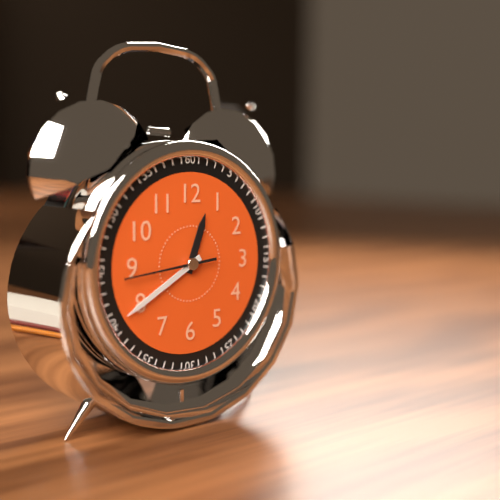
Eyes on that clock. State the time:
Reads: 12:40:44
